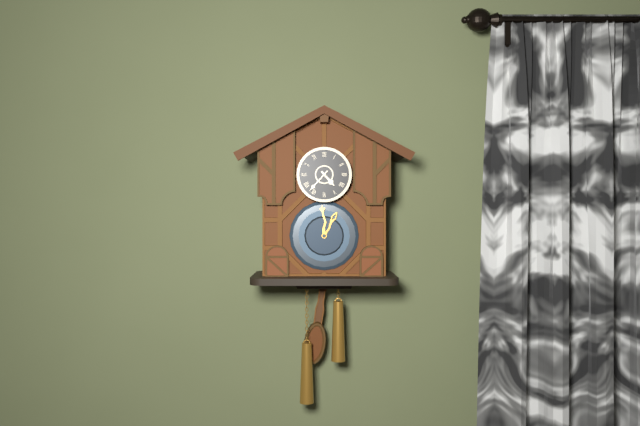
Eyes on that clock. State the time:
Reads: 4:37
